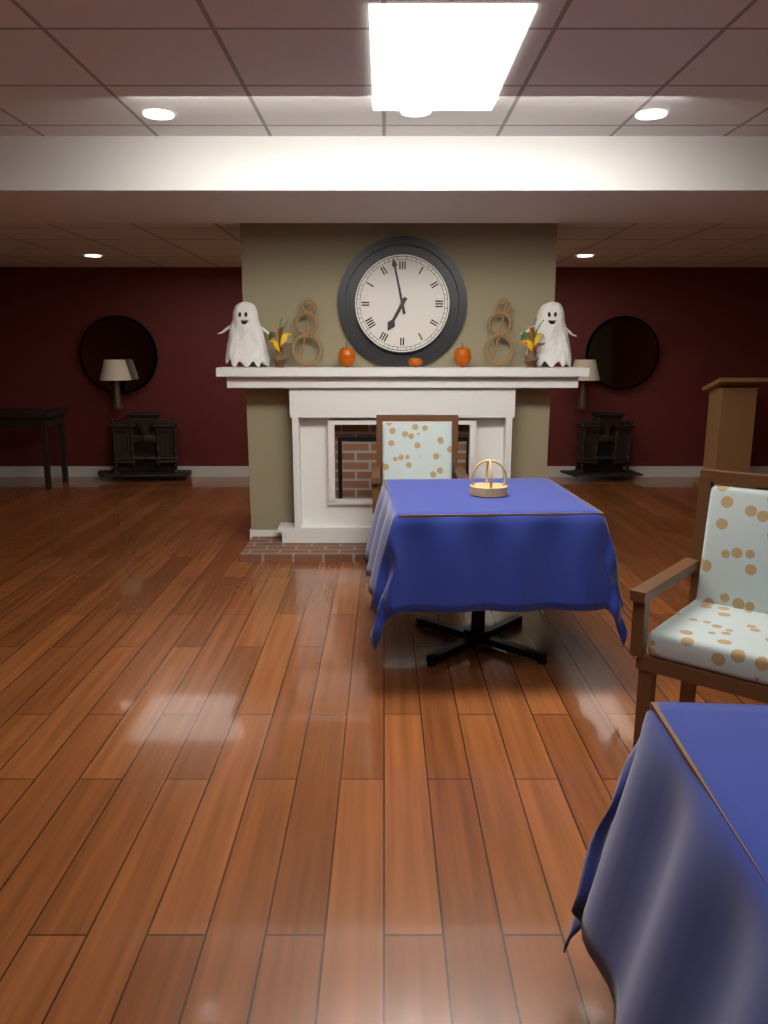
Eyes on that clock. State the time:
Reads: 6:58
